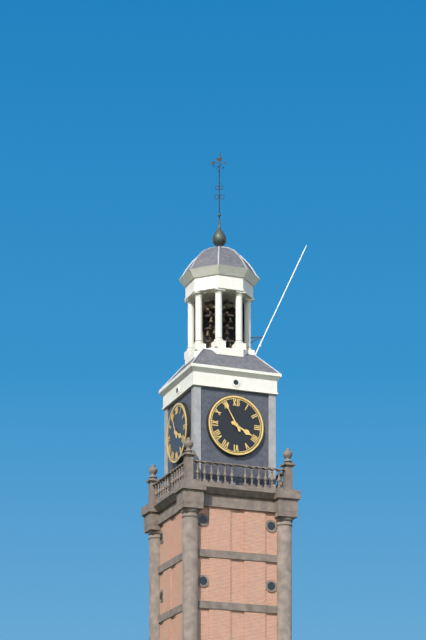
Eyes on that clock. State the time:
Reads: 3:55
